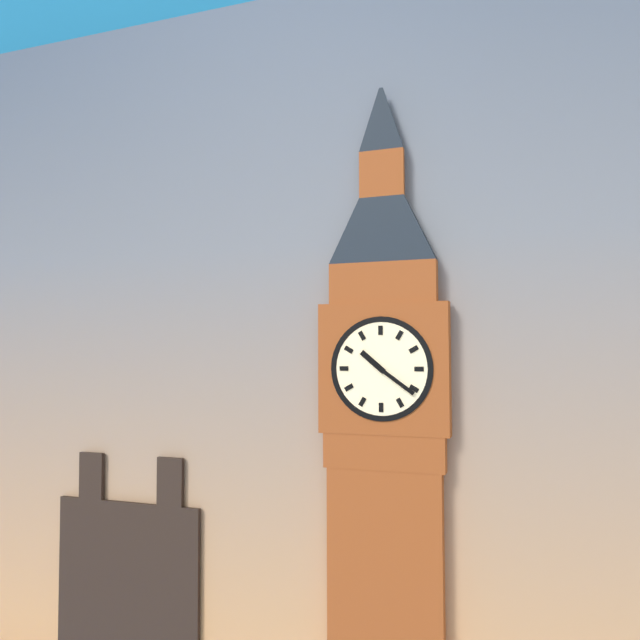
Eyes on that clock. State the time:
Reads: 10:21
